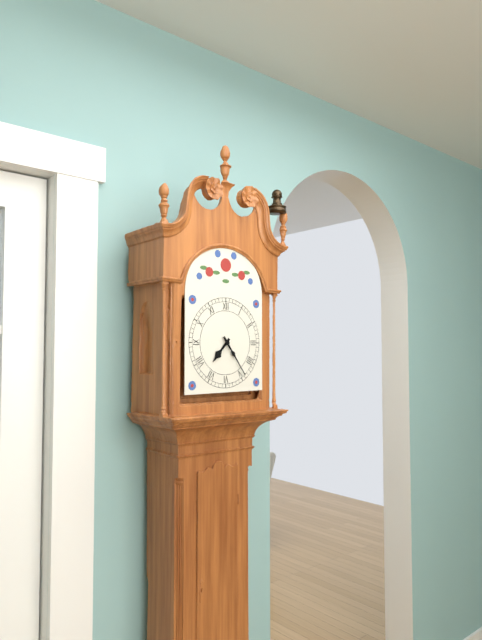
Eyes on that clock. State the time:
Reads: 7:24
